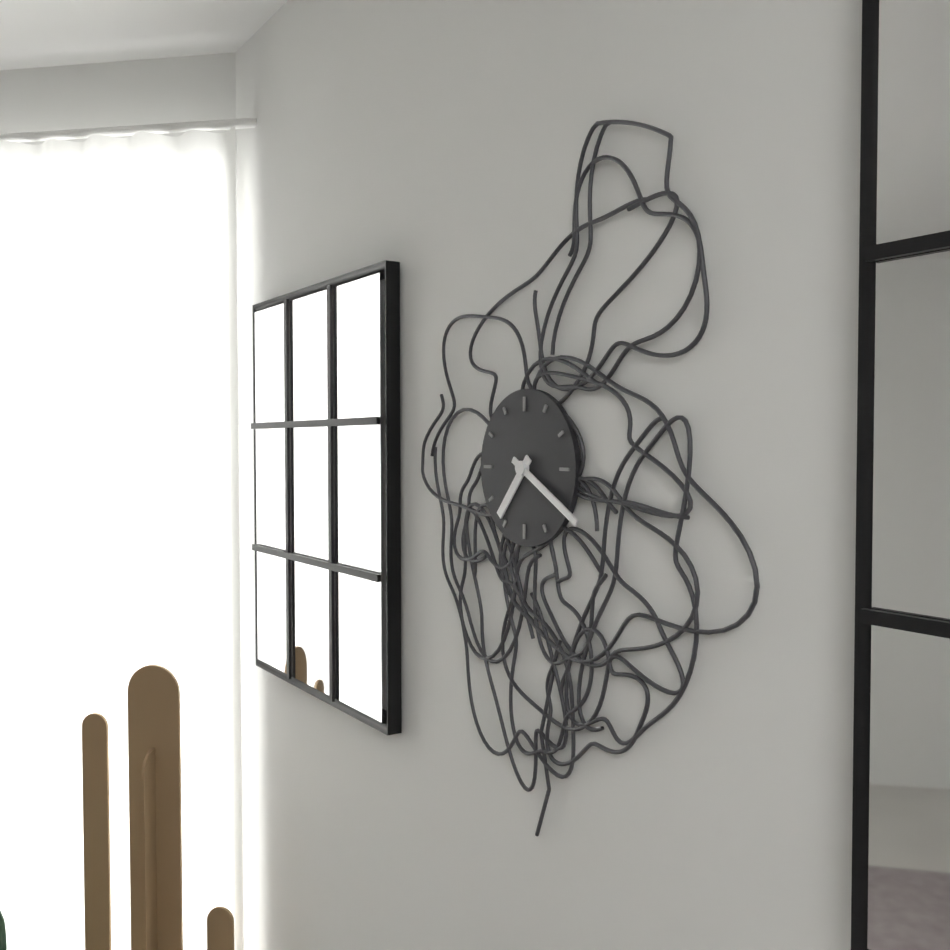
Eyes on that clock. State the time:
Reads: 7:20
